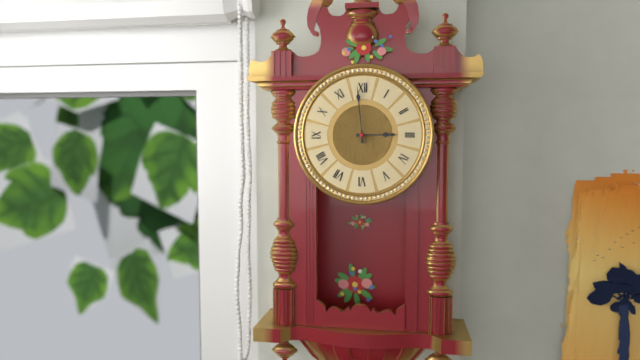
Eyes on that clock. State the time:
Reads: 2:59
